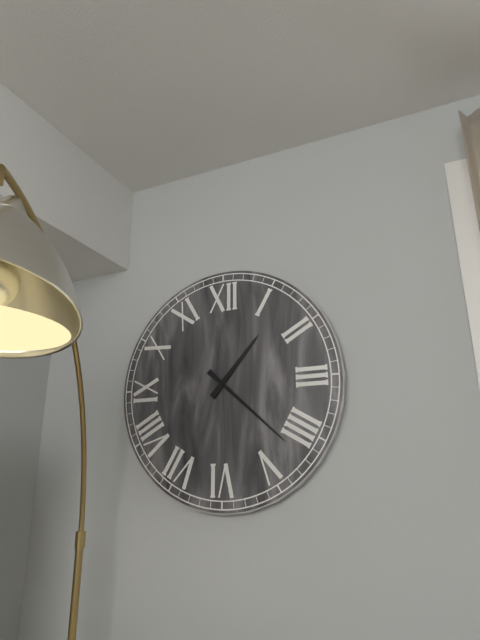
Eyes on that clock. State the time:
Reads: 1:22
